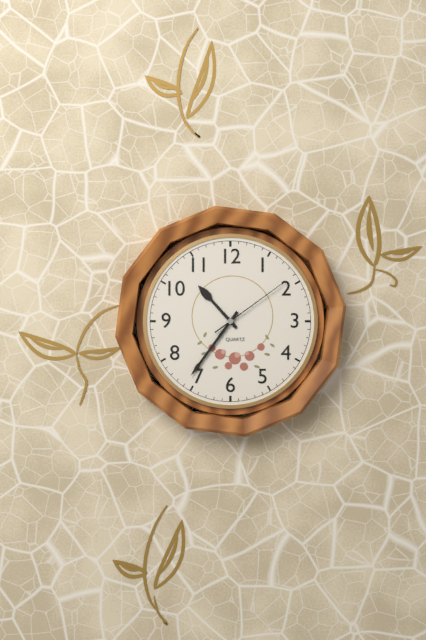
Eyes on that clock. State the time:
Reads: 10:36:09
